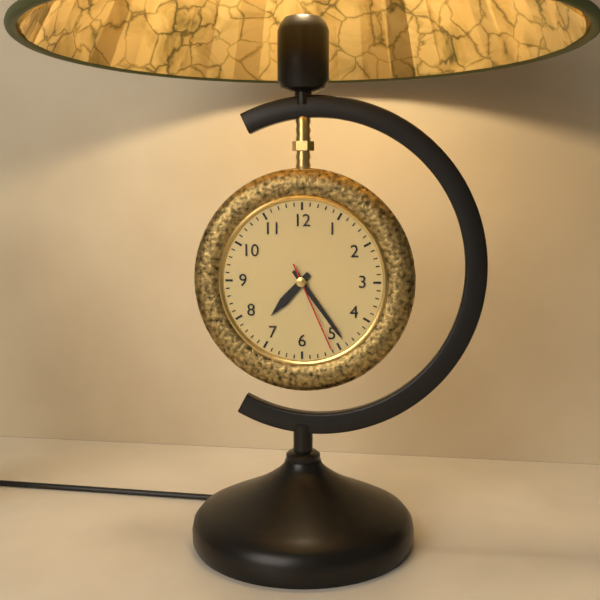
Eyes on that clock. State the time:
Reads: 7:24:26
